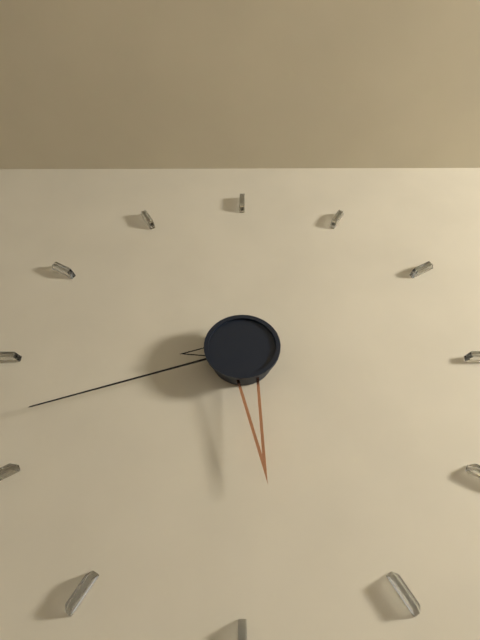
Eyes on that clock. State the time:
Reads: 5:42:44
